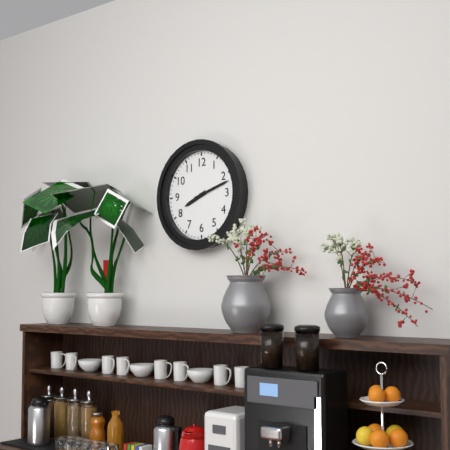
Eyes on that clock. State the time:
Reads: 8:12
